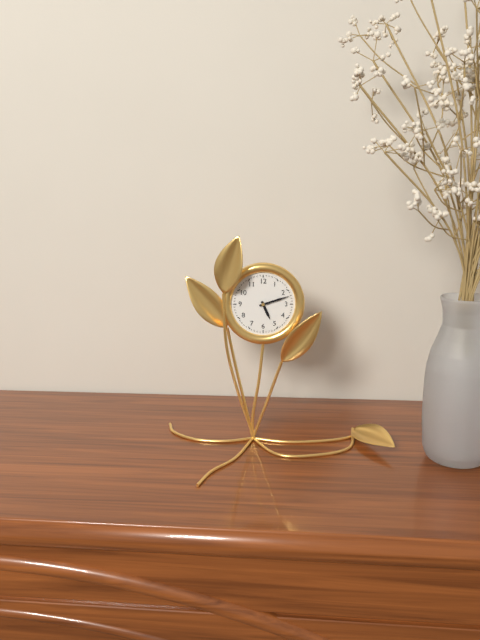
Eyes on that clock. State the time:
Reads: 5:12
